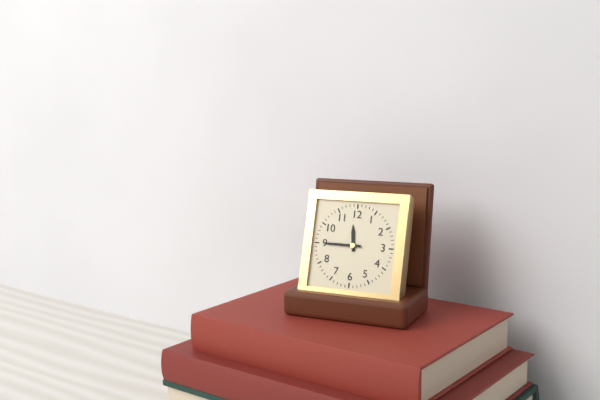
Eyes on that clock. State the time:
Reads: 11:45
